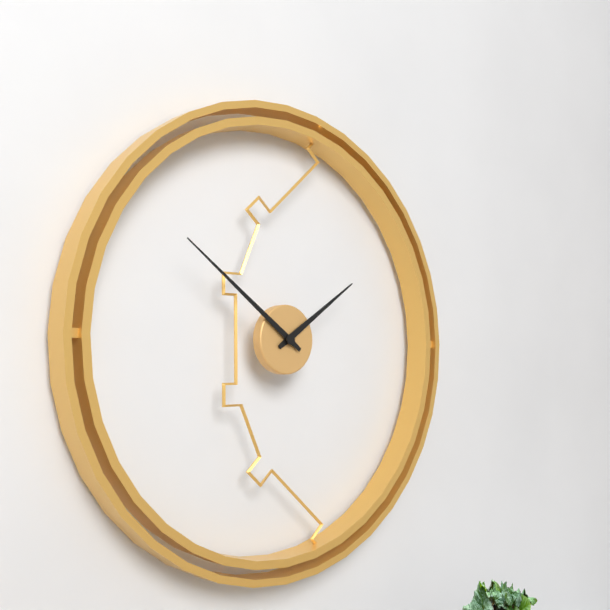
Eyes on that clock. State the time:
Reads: 1:51
